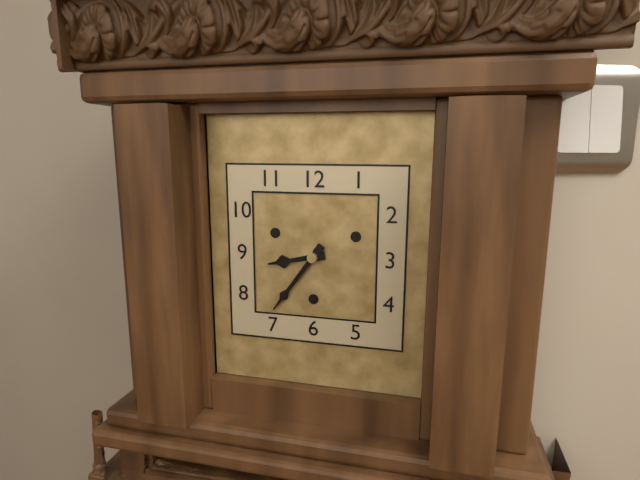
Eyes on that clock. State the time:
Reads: 8:36
